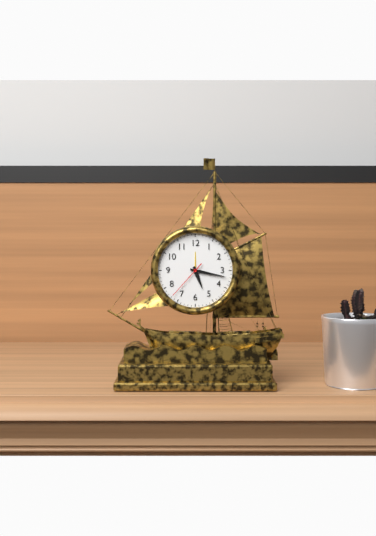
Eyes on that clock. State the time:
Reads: 5:17
